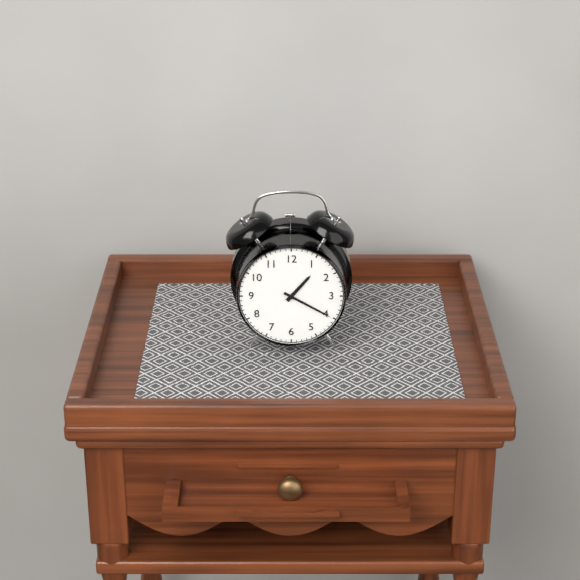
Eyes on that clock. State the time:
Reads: 1:20
